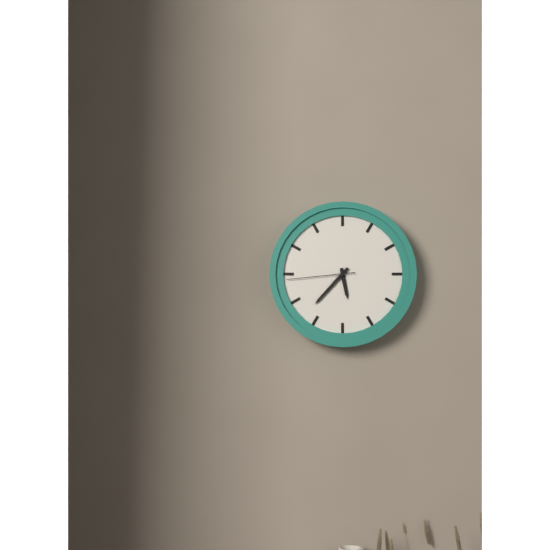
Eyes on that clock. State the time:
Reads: 5:37:44
